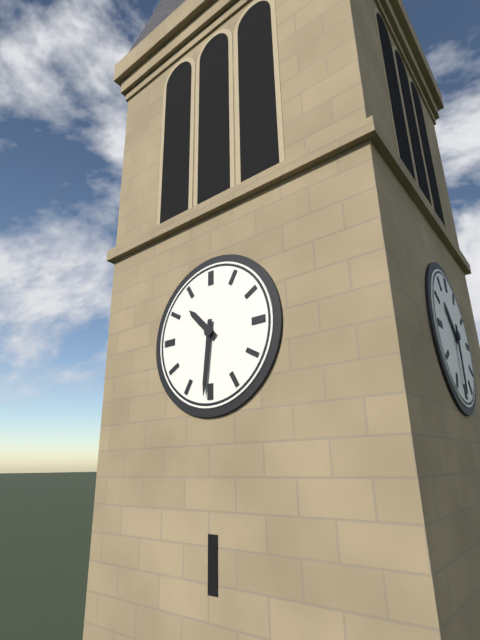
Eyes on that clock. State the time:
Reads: 10:31
